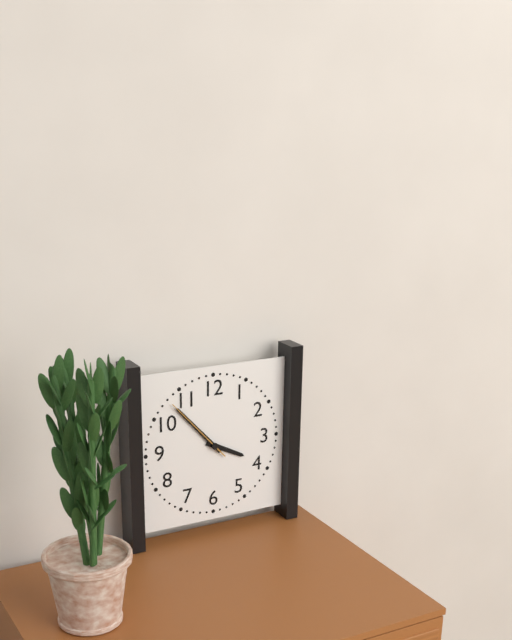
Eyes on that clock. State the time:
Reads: 3:53:53
